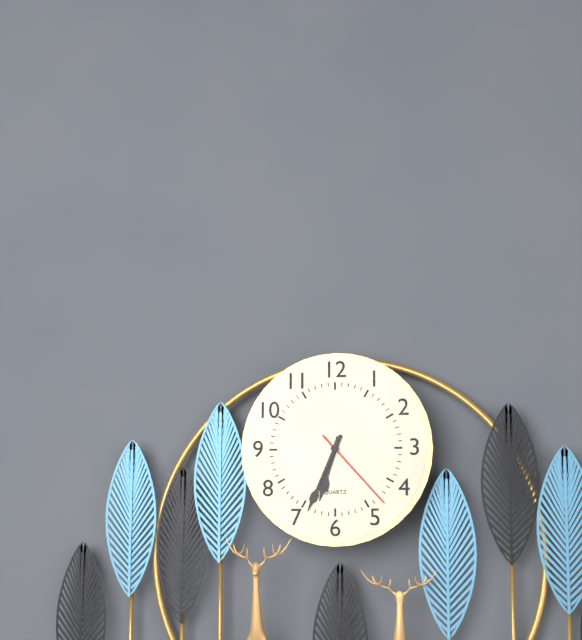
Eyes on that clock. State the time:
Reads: 6:34:23
